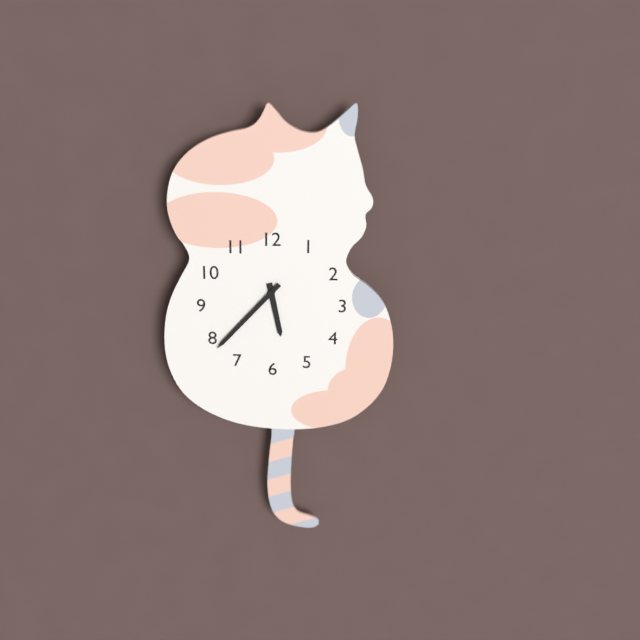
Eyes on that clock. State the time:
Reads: 5:37
